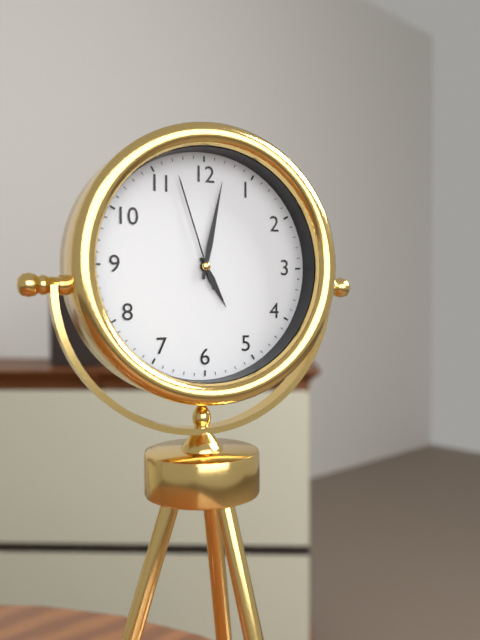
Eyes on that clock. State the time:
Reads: 5:02:57
